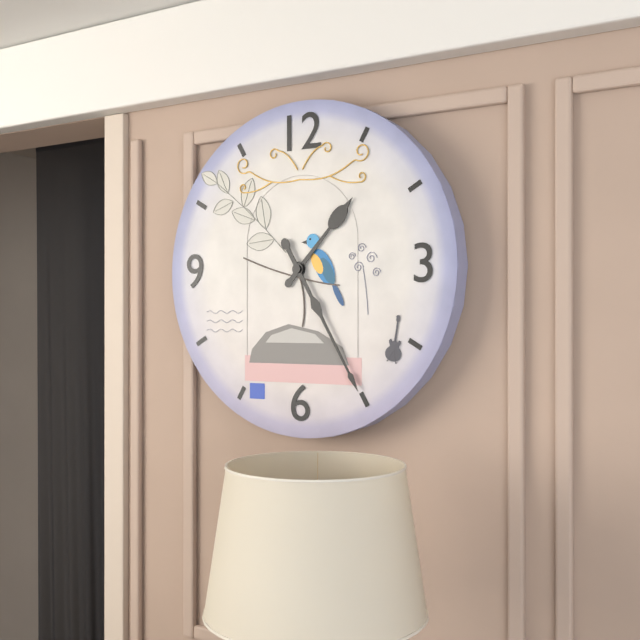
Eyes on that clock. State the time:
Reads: 1:25
